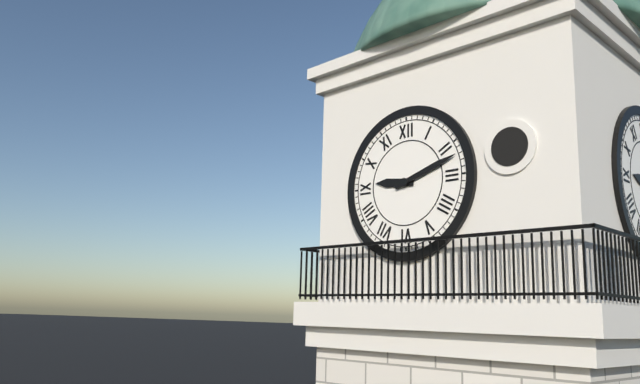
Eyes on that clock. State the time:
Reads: 9:12
